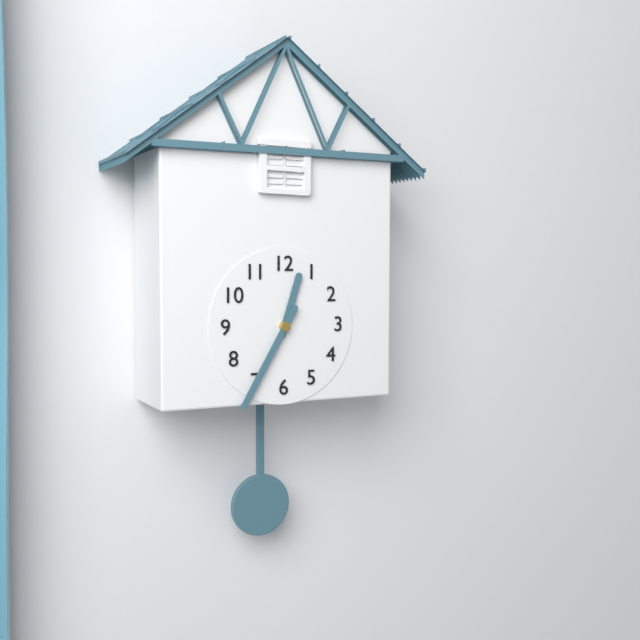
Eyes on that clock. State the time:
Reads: 12:35
